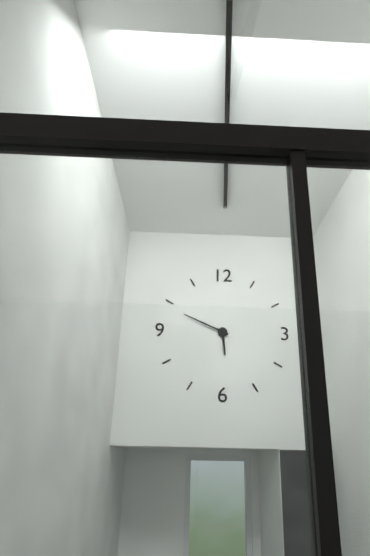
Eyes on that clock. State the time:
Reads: 5:49
